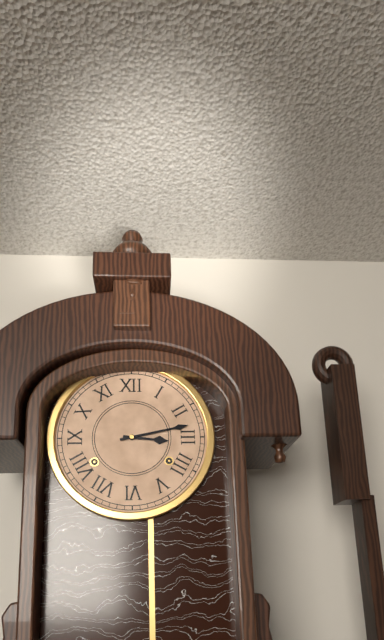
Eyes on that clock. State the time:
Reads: 3:13
